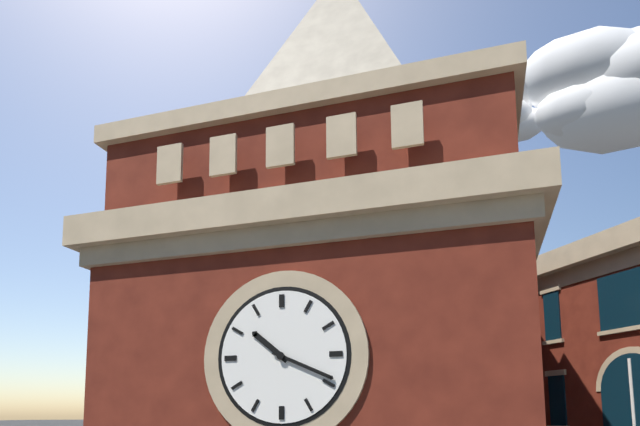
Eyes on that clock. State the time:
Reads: 10:19
